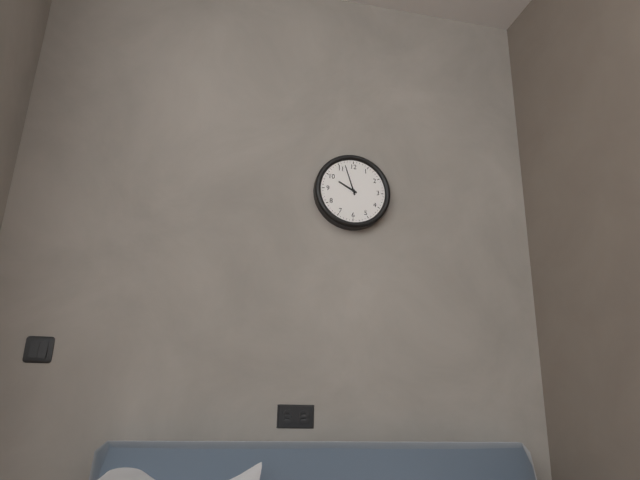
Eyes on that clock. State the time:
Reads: 9:57
